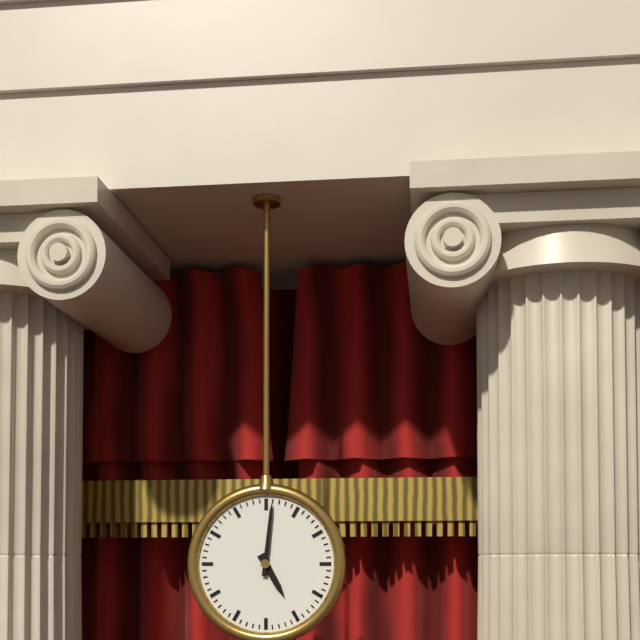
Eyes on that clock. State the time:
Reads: 5:01
